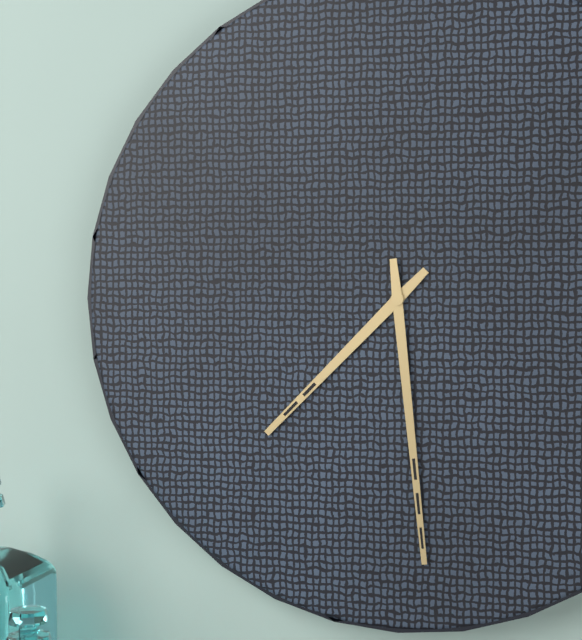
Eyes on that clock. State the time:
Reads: 7:29
